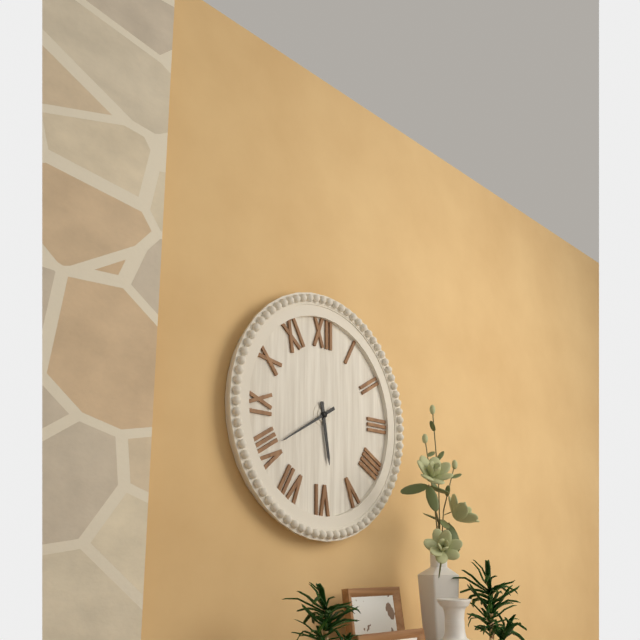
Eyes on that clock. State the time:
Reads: 5:40
